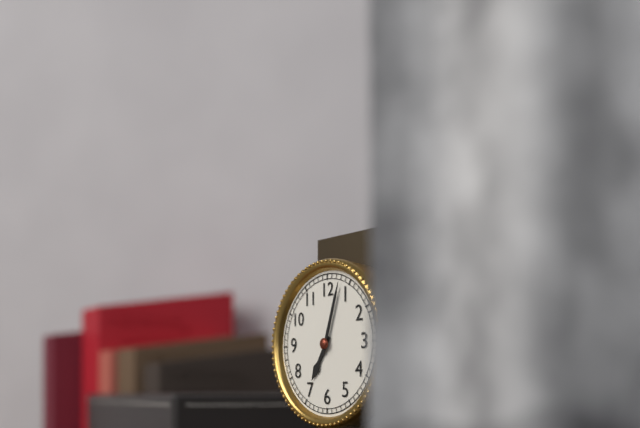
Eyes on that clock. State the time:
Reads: 7:03
